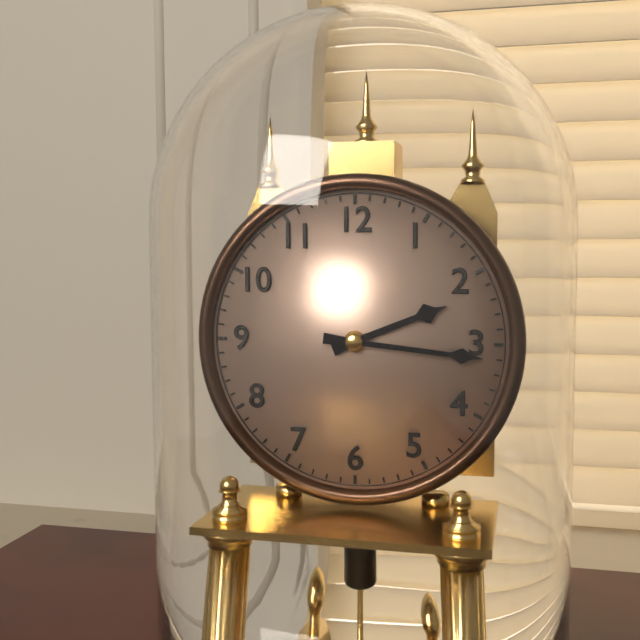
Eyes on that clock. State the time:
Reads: 2:16
